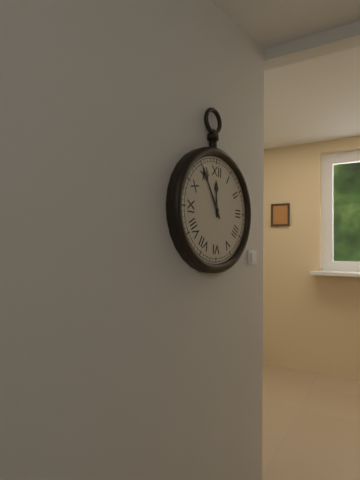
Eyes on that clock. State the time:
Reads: 11:55
